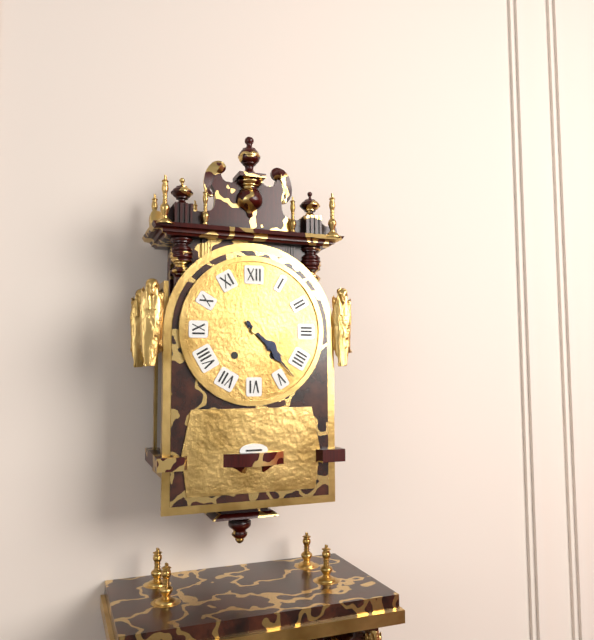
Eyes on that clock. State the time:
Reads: 4:23
